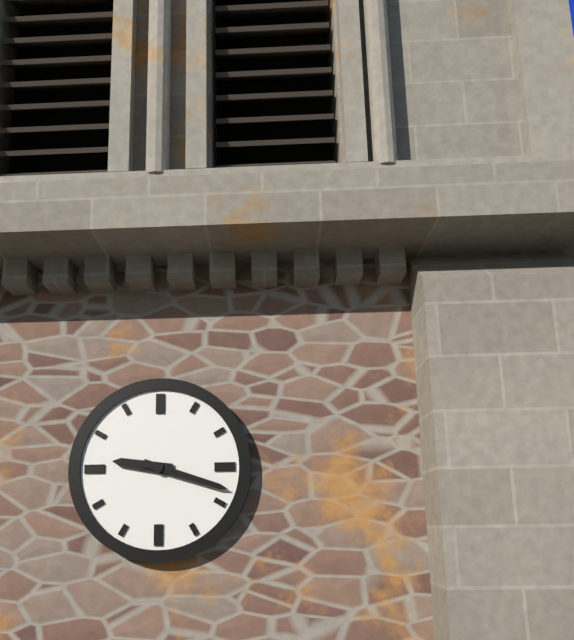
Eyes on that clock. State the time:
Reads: 9:18
